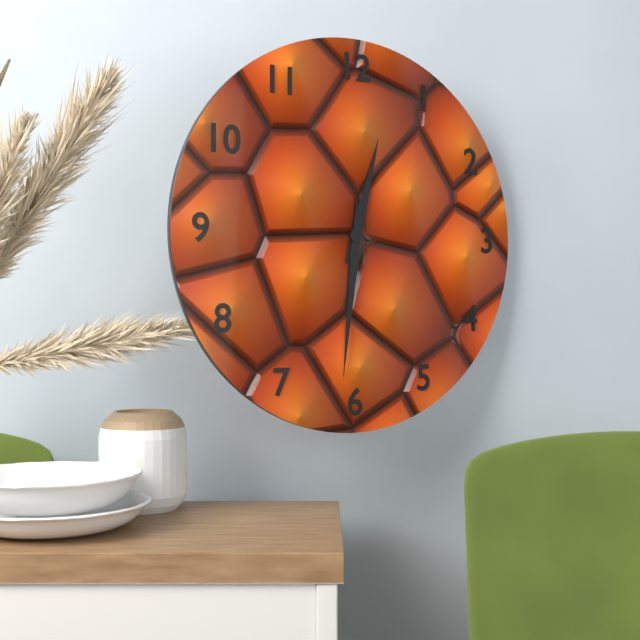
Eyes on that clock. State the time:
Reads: 12:31
